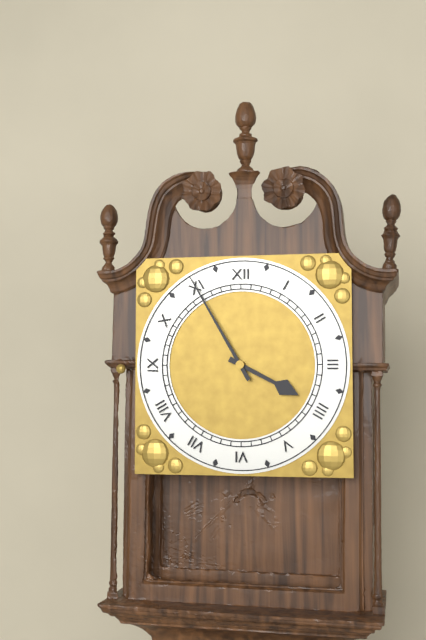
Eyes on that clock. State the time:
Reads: 3:55
